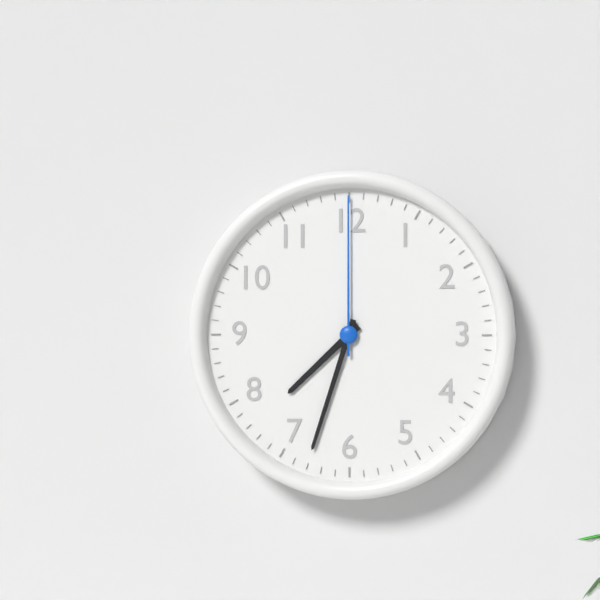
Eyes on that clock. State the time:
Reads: 7:33:00
